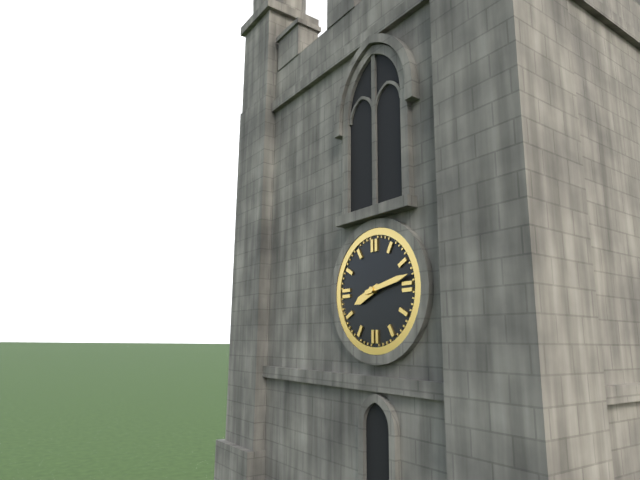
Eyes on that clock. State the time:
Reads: 8:13
